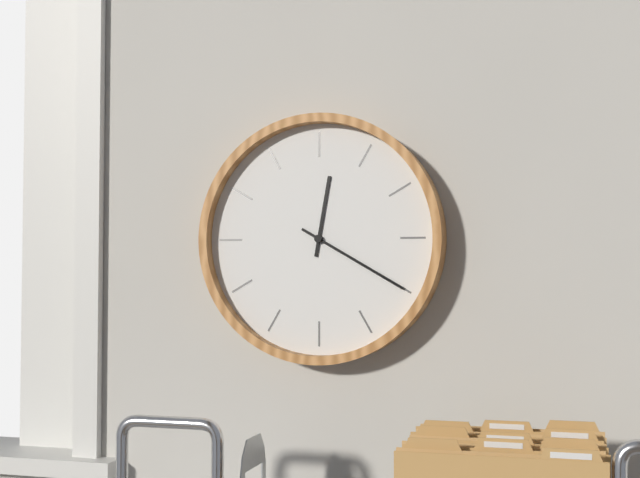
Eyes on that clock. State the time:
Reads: 12:20
